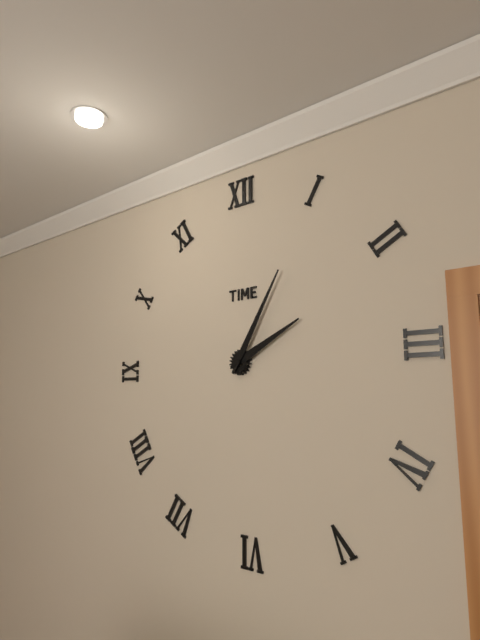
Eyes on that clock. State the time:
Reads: 2:05
